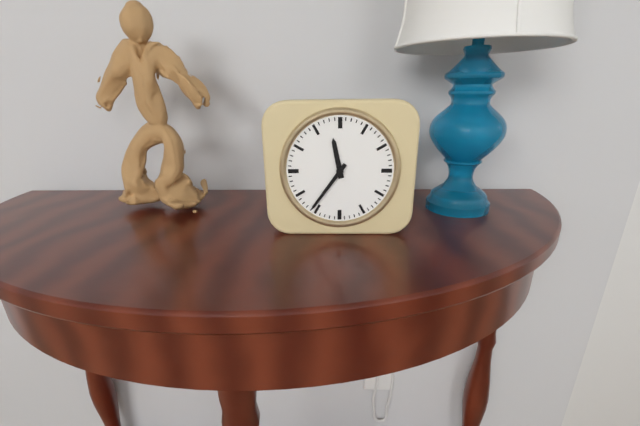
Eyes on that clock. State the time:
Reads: 11:36
